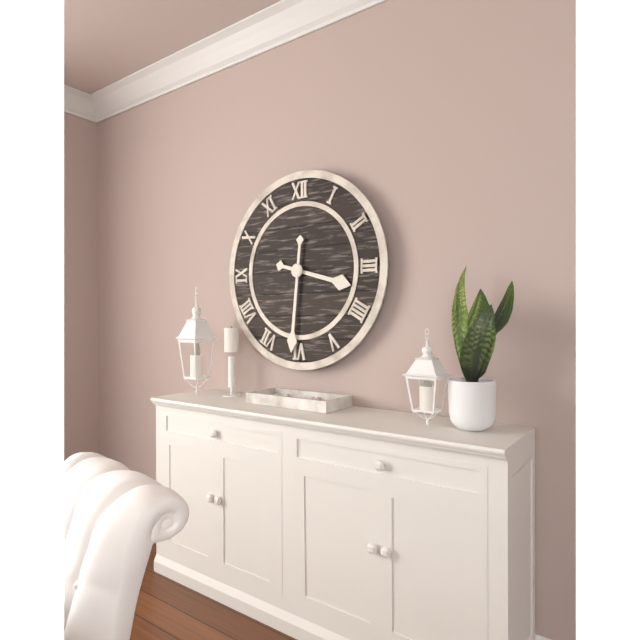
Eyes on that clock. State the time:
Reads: 3:31
